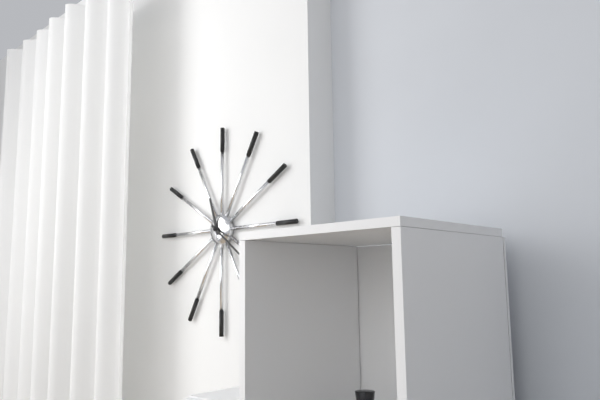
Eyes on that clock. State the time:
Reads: 11:21
